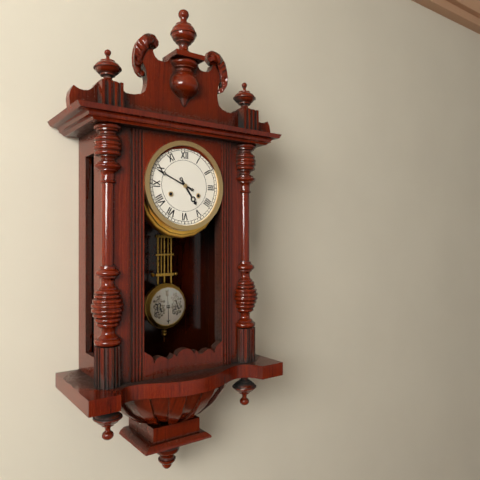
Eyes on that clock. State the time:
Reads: 4:49
